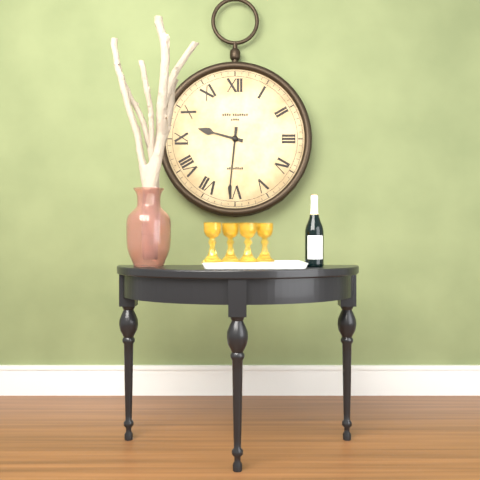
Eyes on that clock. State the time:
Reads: 9:31
